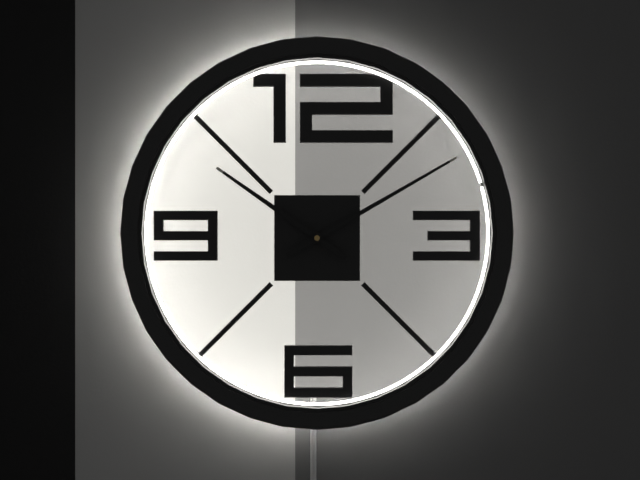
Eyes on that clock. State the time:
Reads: 10:10
